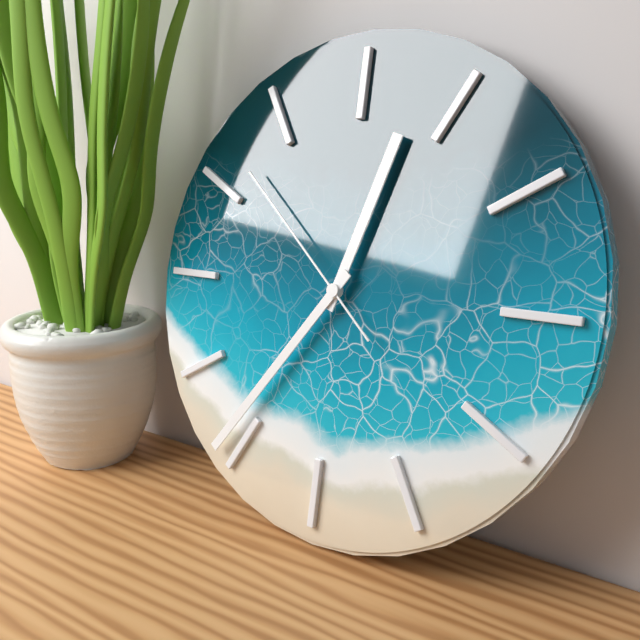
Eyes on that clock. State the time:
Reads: 12:36:52
